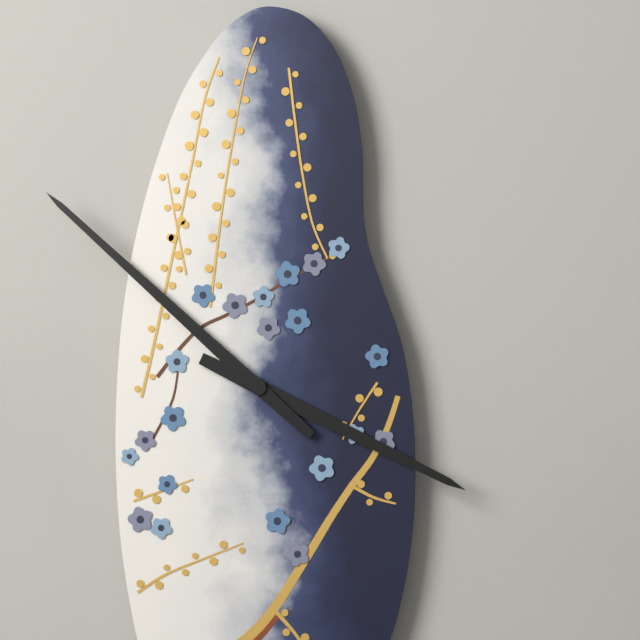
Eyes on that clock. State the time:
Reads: 3:52
